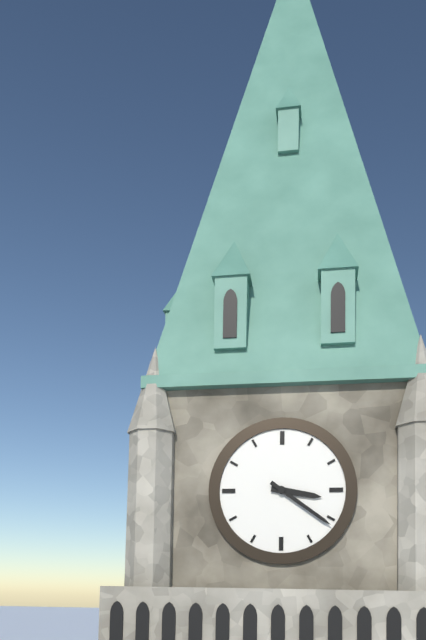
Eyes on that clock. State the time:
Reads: 3:21
